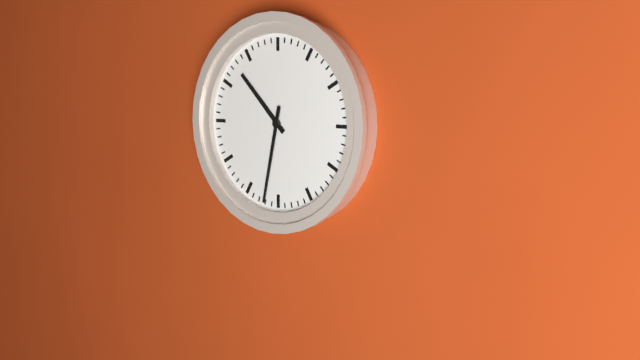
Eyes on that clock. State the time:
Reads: 10:32
